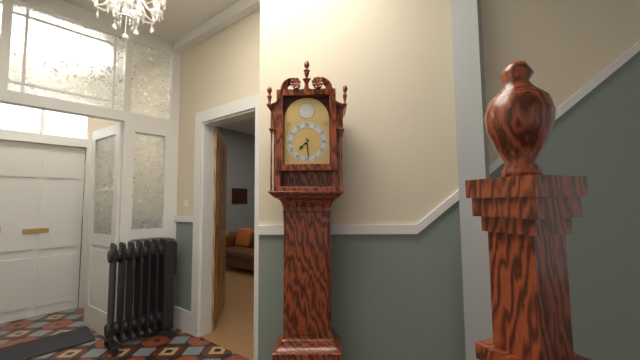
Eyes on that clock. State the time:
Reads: 7:29
